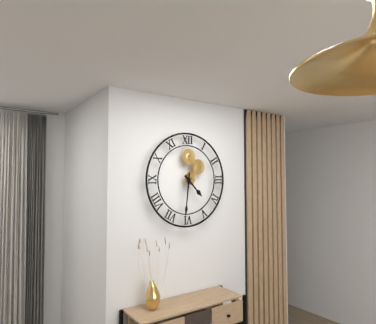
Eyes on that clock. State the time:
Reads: 4:31
